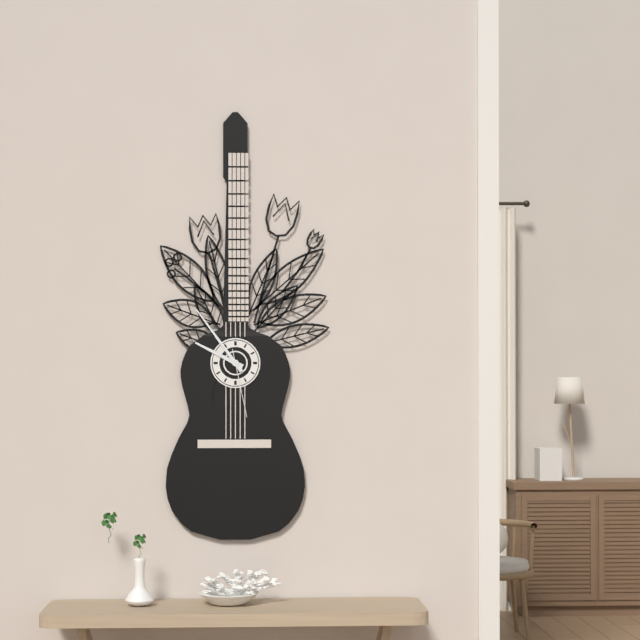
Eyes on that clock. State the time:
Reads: 9:54:28
